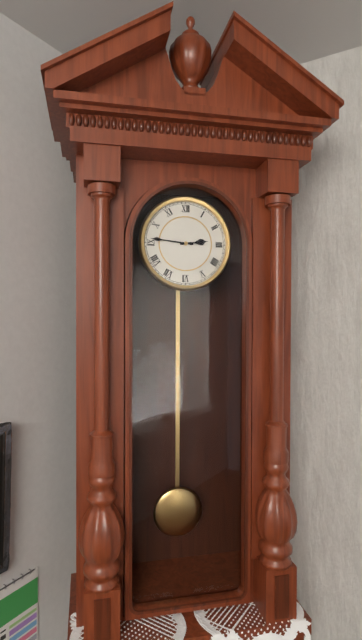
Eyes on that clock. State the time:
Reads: 2:46
